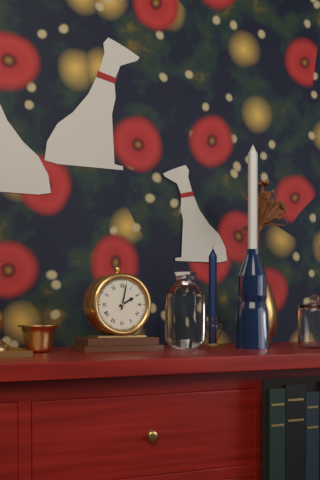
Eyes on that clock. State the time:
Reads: 2:02
